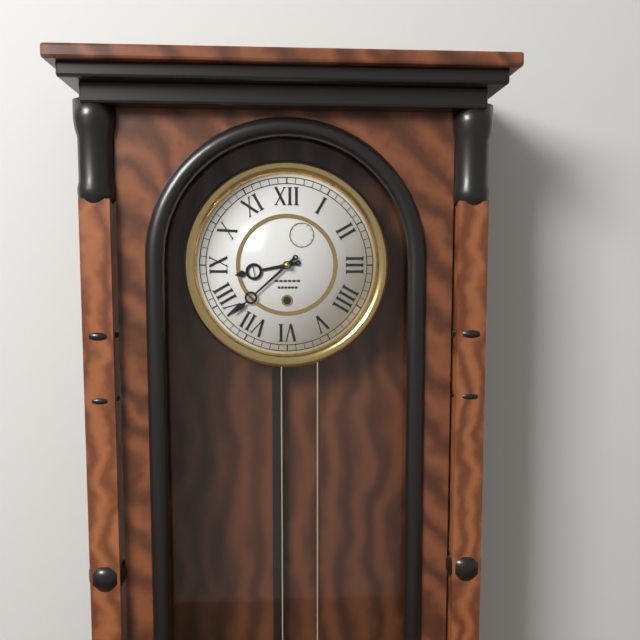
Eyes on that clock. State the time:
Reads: 8:38
